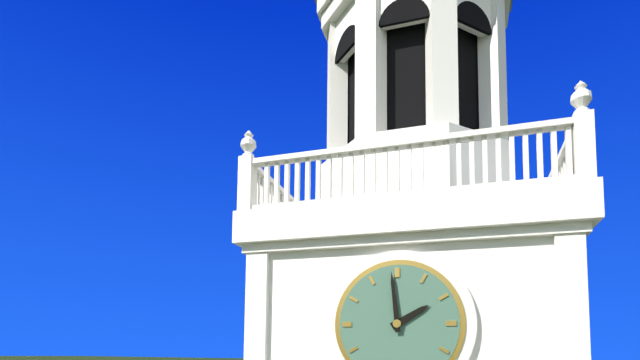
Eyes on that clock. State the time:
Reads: 1:59
